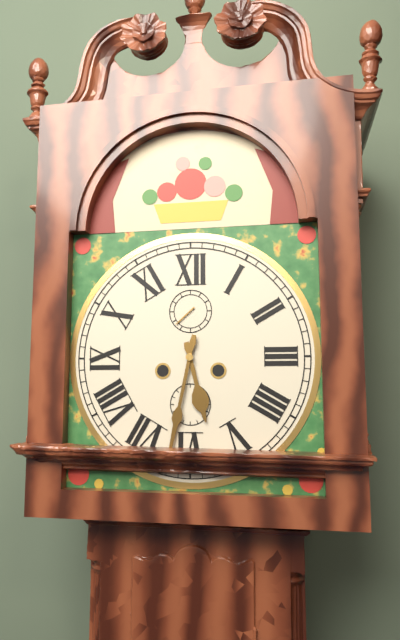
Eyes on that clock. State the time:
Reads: 5:32
